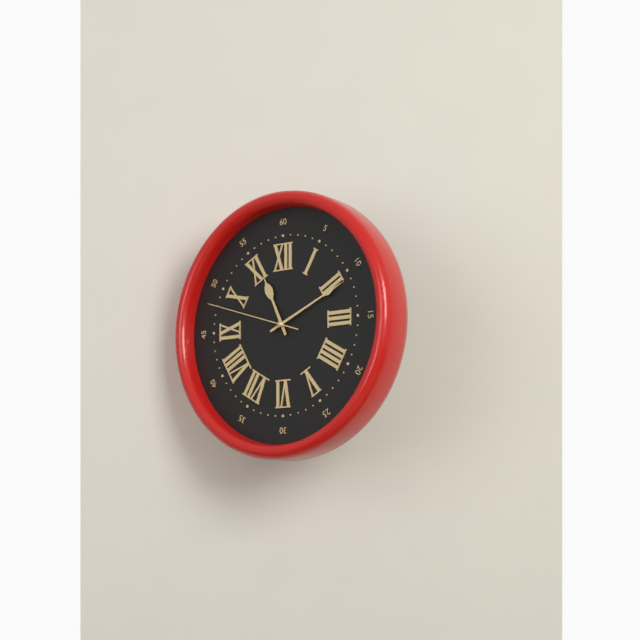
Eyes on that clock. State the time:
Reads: 11:11:48
